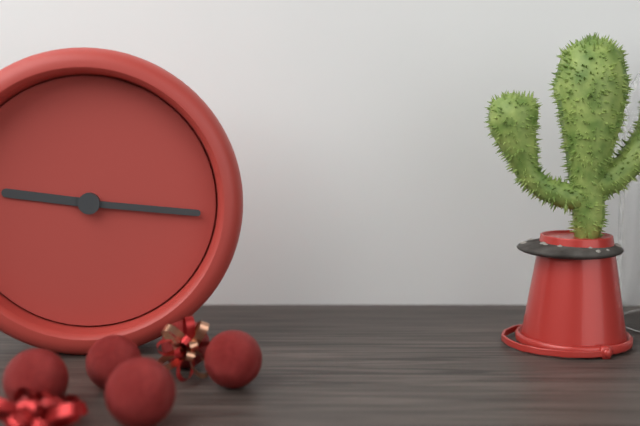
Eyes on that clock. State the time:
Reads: 9:16
